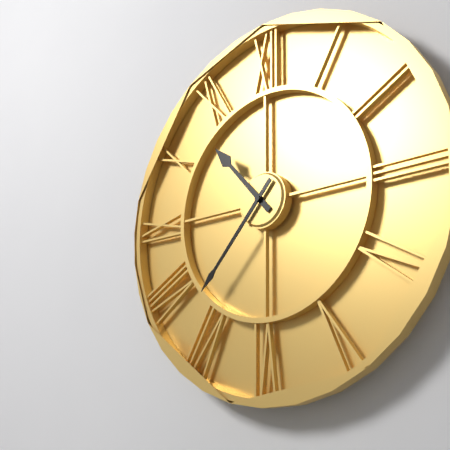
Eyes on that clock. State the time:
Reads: 10:37
